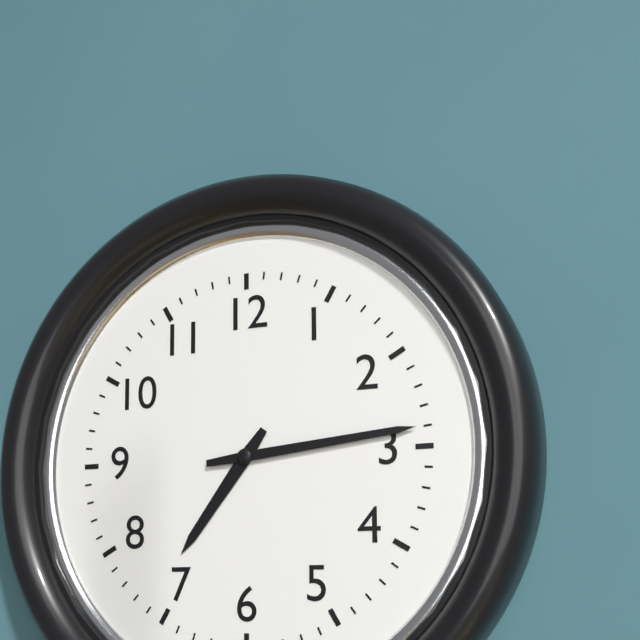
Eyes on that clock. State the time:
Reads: 7:14
